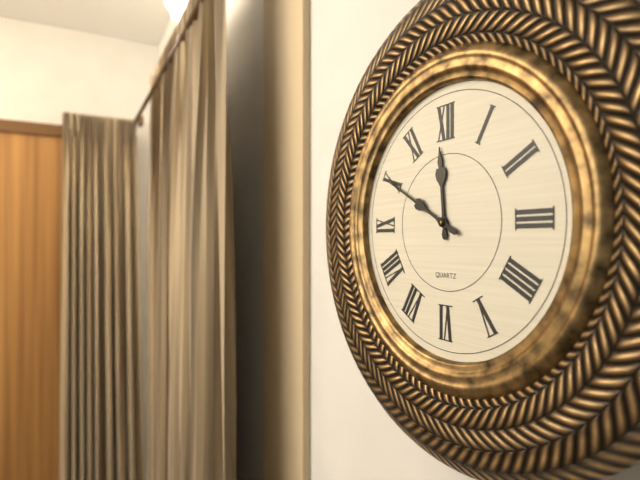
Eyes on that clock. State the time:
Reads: 11:50
